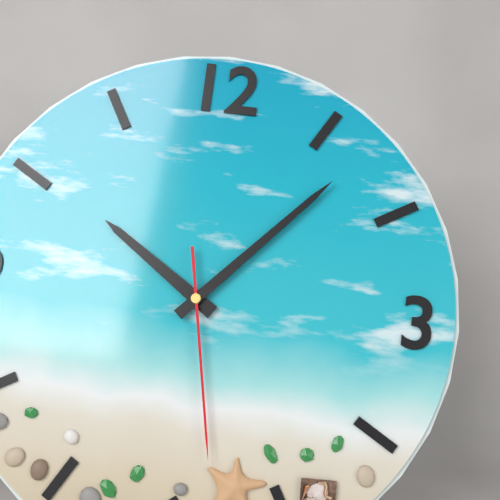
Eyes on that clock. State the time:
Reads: 10:07:28
